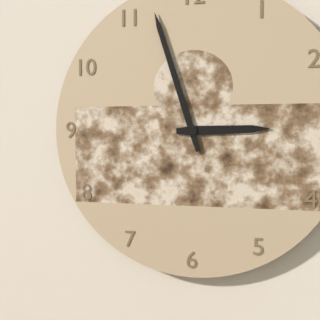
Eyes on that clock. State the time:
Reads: 2:57
